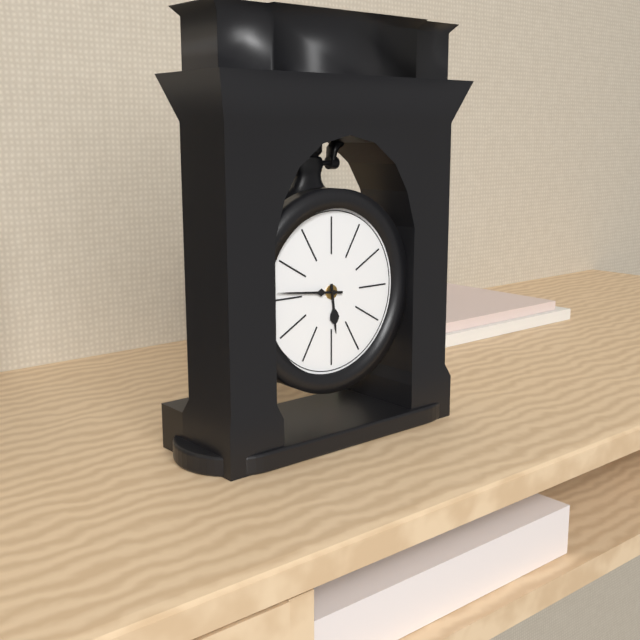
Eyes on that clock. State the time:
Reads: 5:46
